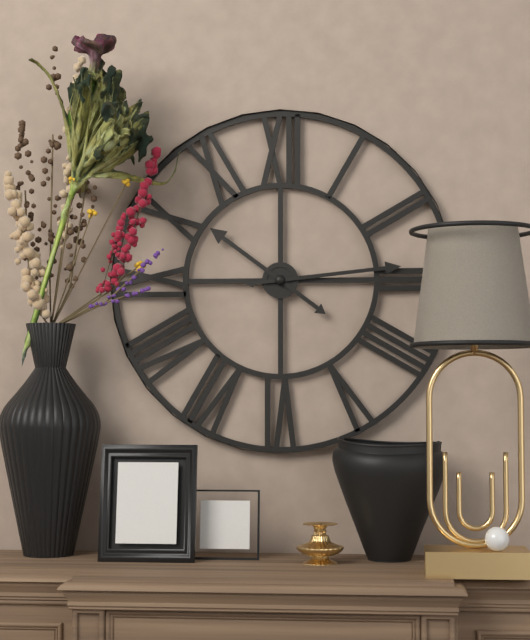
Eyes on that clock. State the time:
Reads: 10:14
